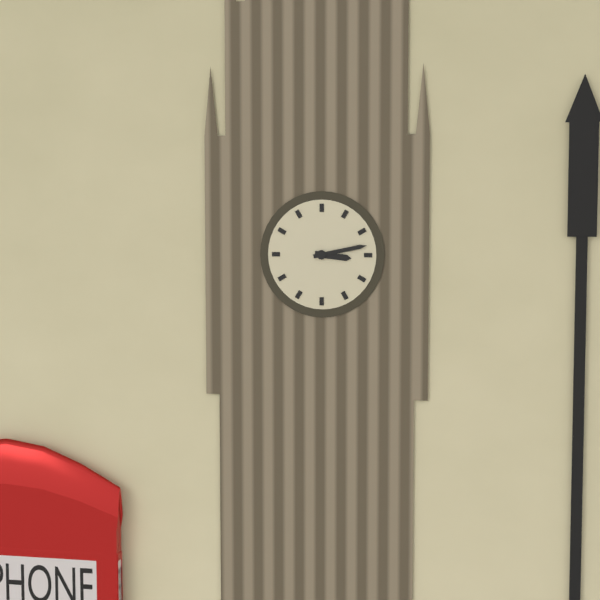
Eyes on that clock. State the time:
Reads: 3:13
